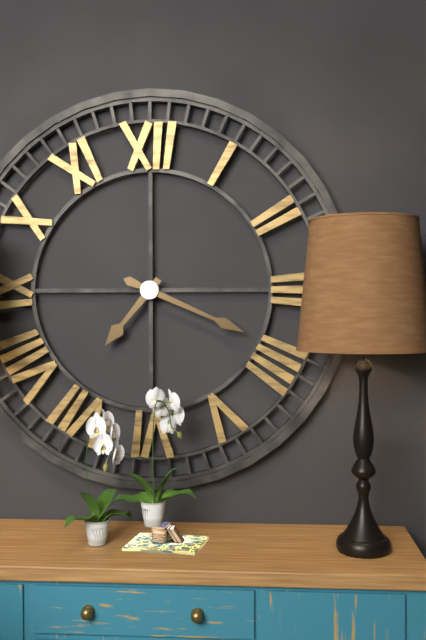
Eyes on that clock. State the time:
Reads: 7:19
